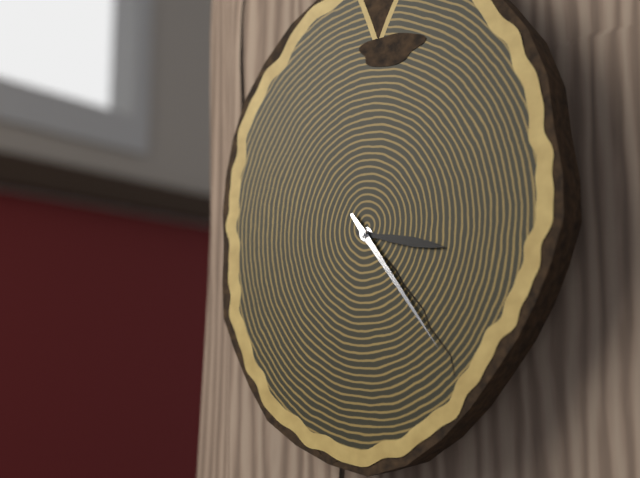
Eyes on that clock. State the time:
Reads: 3:24
